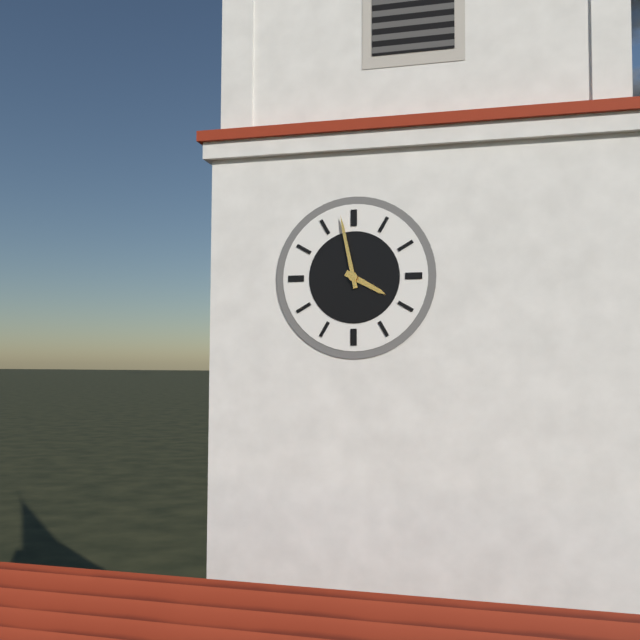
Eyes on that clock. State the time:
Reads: 3:58
